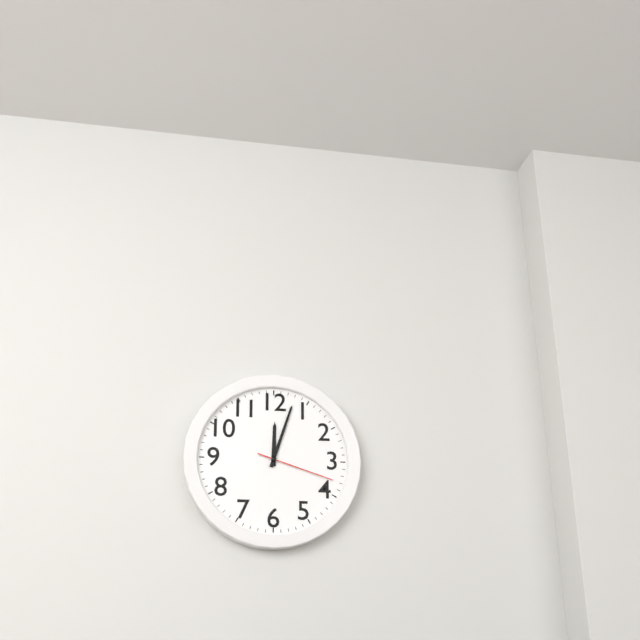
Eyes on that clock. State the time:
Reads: 12:03:18
